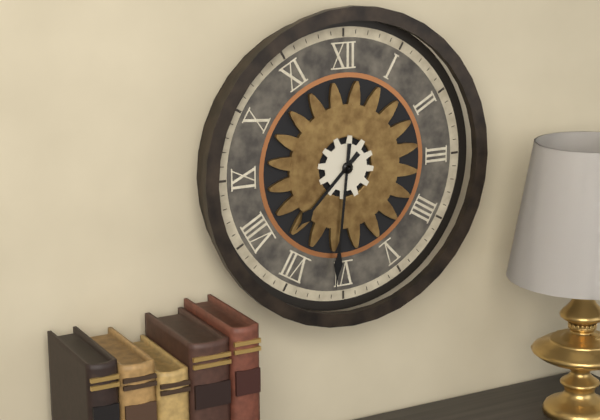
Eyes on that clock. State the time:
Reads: 7:31
